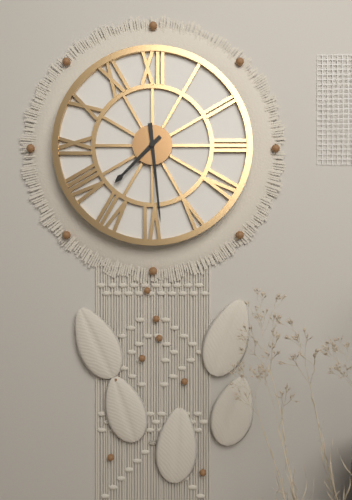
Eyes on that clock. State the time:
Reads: 7:29
